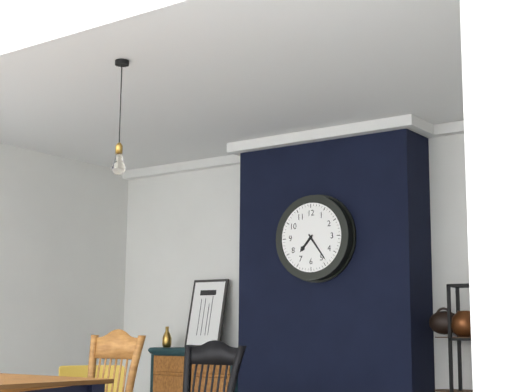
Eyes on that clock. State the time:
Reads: 7:24
